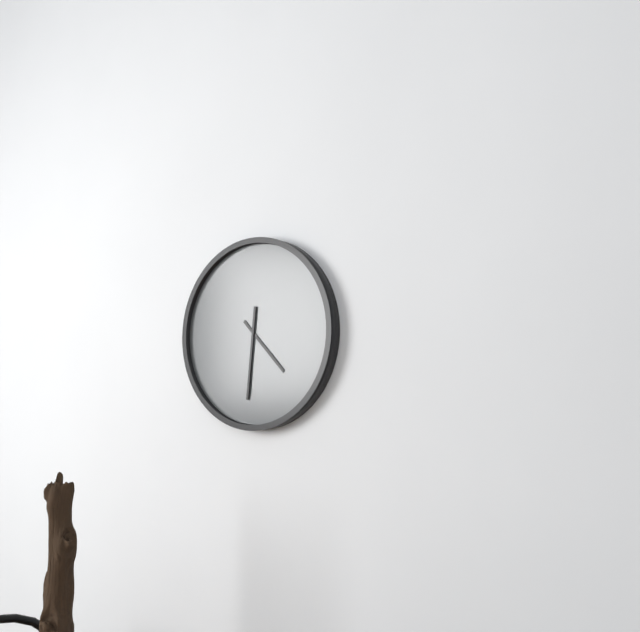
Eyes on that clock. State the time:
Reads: 4:31
